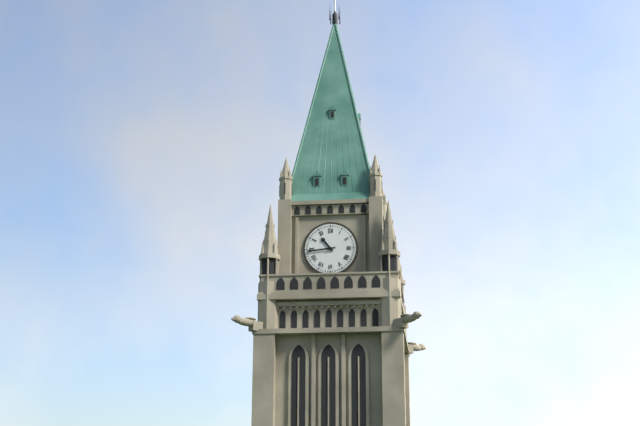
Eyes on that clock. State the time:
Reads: 10:44
